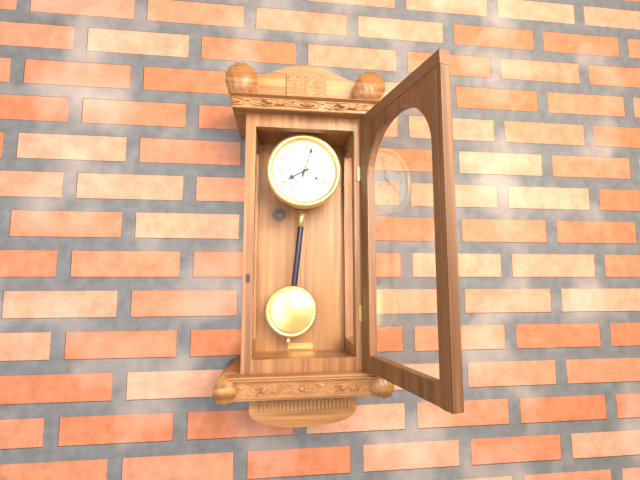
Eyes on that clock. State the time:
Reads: 8:03
